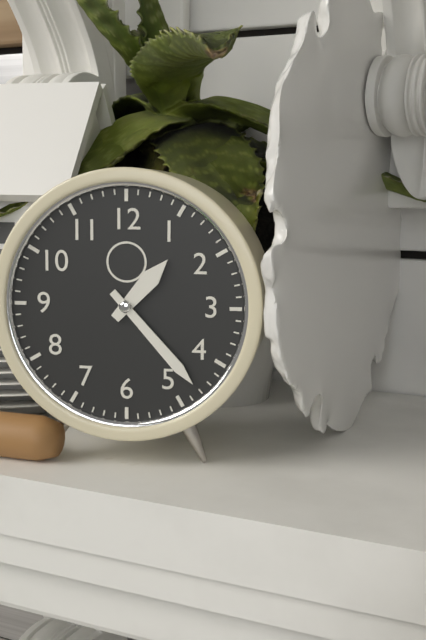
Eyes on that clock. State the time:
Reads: 1:23
